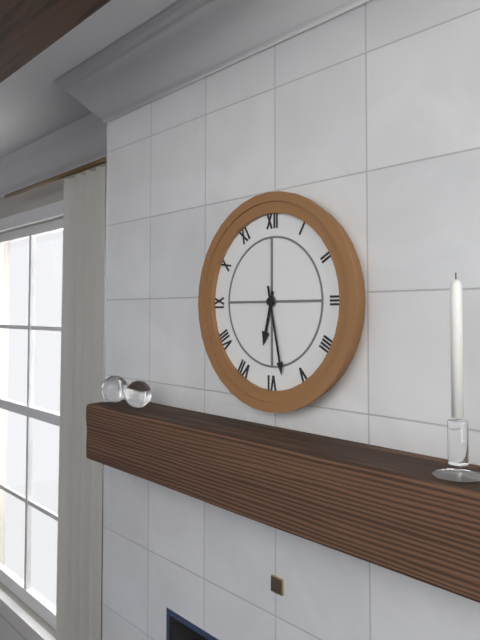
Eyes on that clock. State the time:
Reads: 6:28
